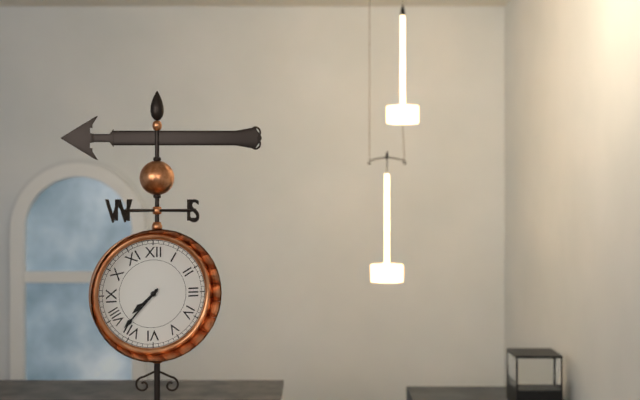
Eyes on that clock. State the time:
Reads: 7:37
